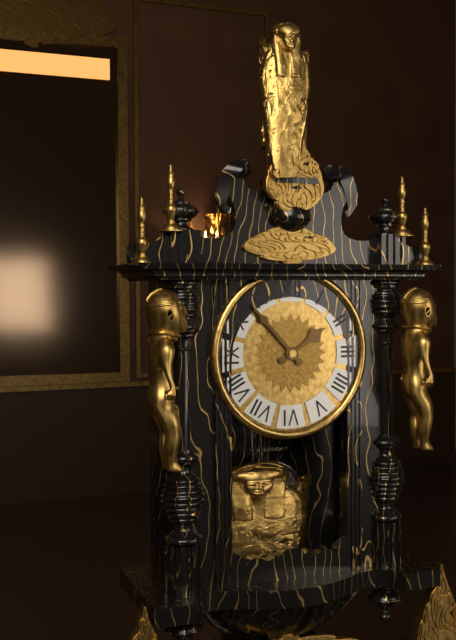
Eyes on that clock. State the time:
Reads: 1:53
